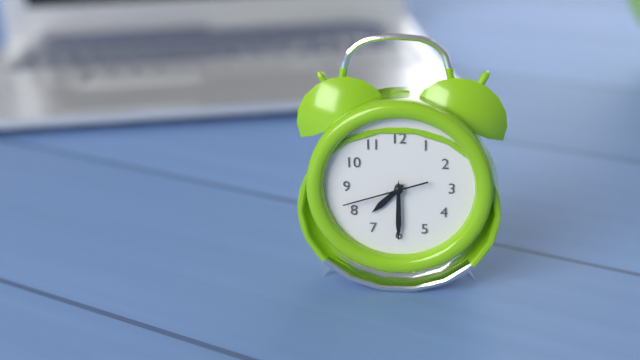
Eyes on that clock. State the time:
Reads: 7:30:42
